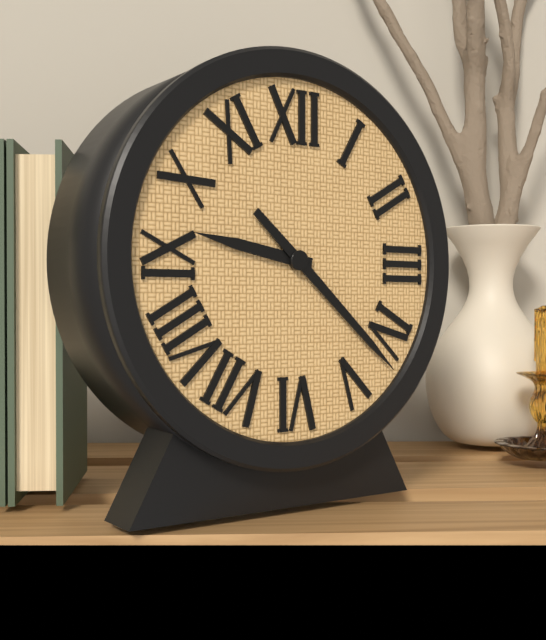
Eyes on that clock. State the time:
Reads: 9:22
